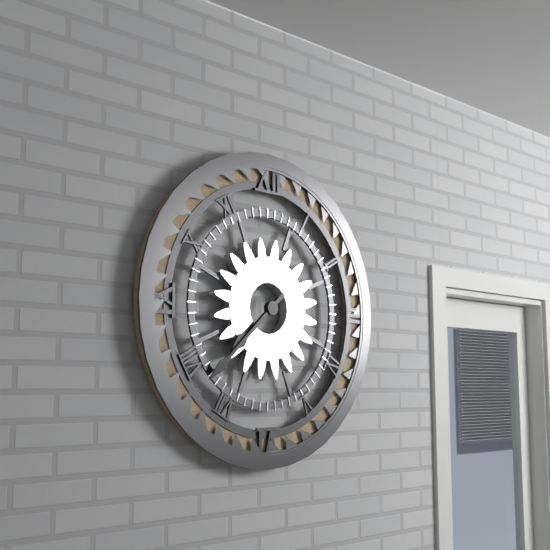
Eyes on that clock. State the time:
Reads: 7:38
